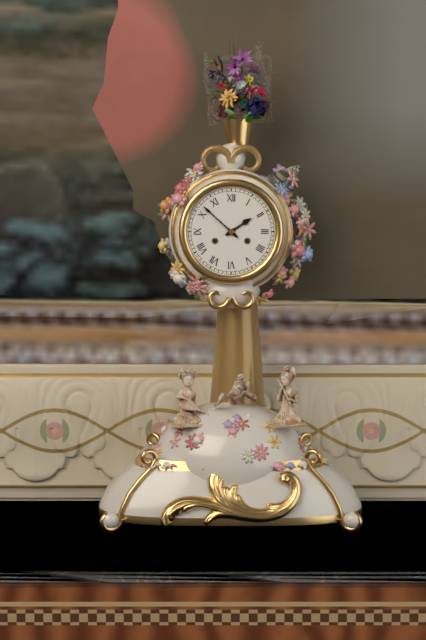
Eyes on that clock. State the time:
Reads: 1:52
